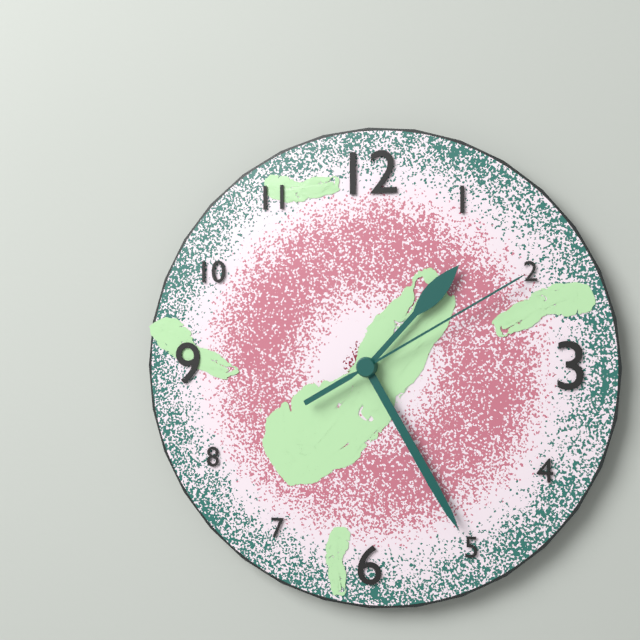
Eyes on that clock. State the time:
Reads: 1:25:10
